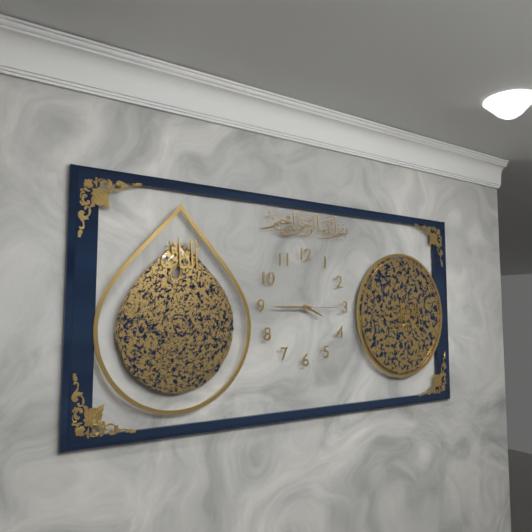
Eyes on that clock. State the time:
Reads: 3:45
